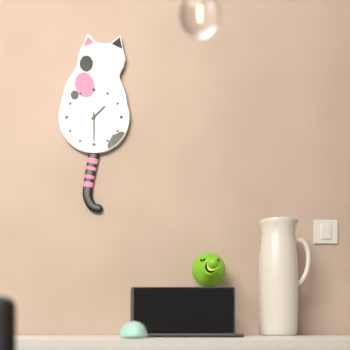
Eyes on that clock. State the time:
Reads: 1:30
